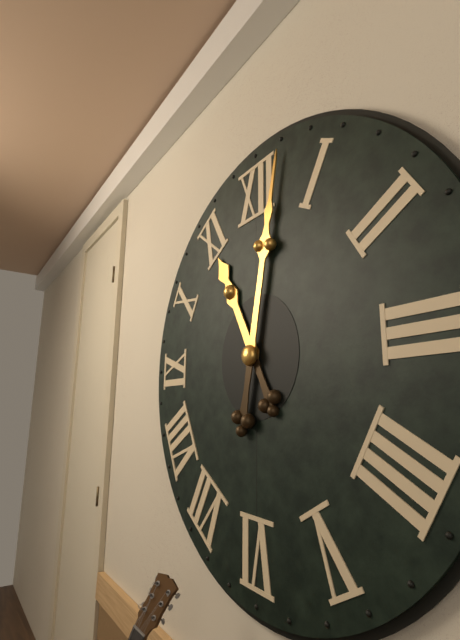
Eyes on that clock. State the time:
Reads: 11:02
